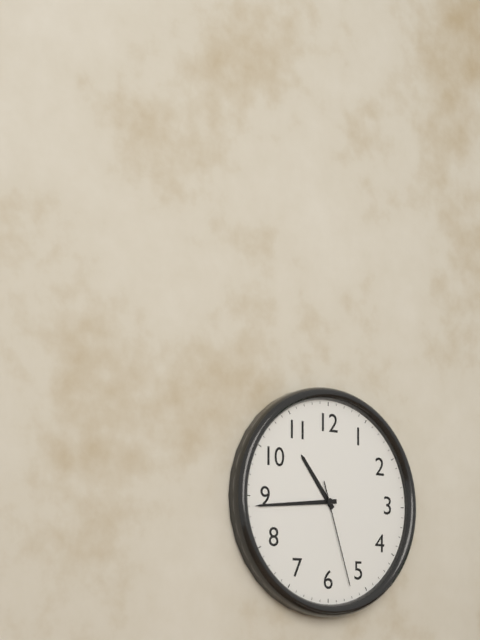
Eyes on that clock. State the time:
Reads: 10:44:27
